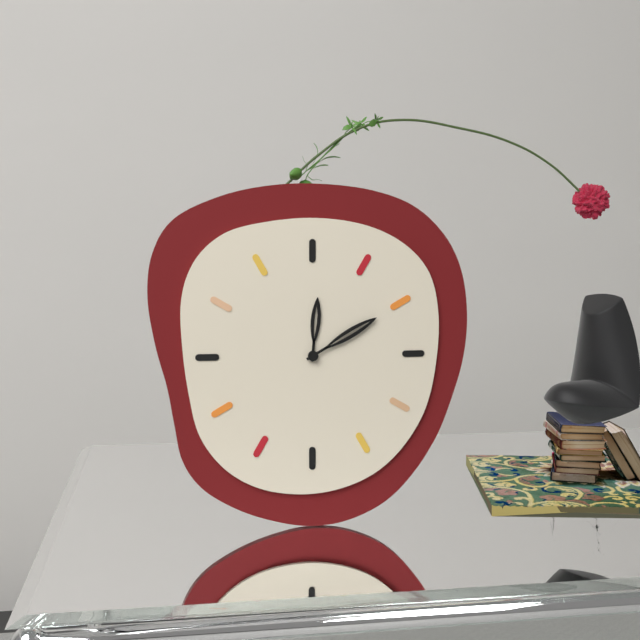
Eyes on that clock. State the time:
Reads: 12:10
